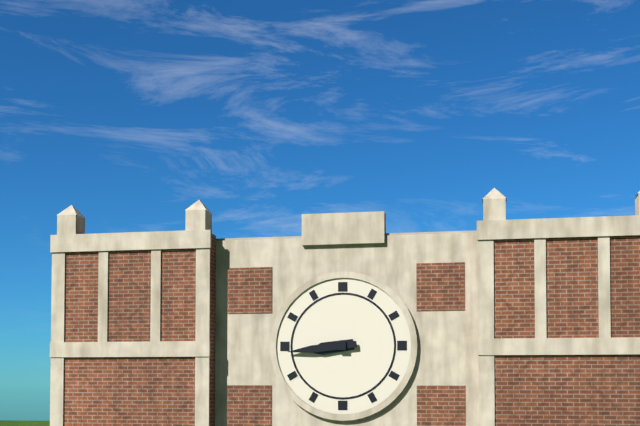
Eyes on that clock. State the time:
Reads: 8:44
